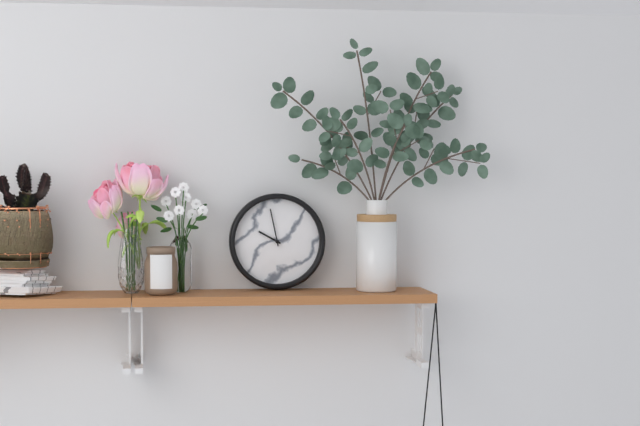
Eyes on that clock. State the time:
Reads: 9:58
